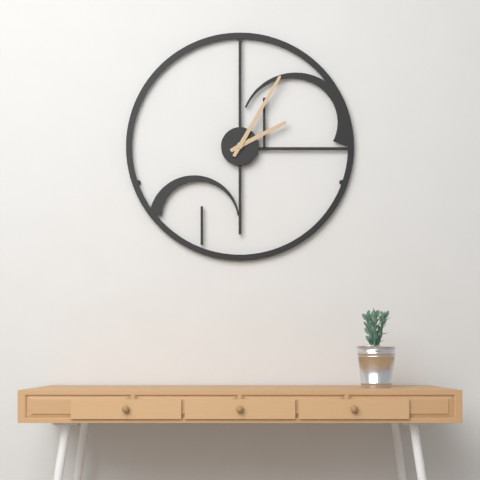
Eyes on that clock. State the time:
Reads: 2:05
